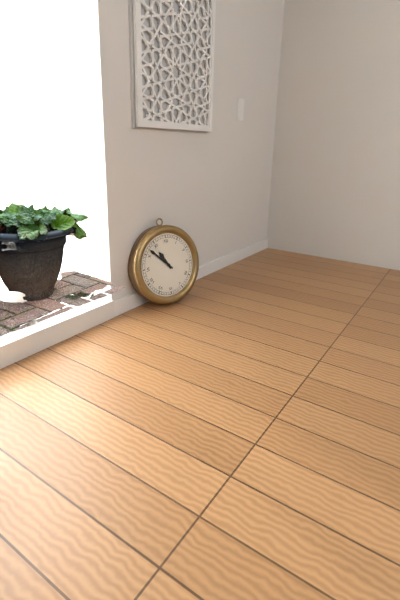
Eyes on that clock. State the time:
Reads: 10:52
